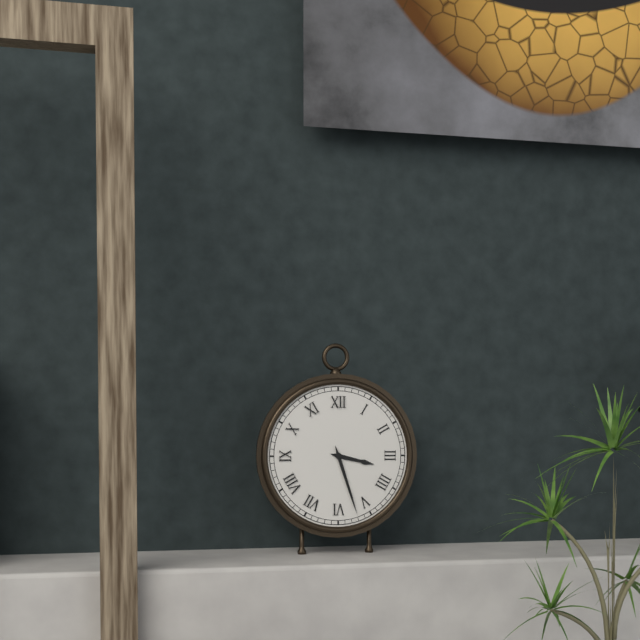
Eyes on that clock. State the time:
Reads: 3:27
